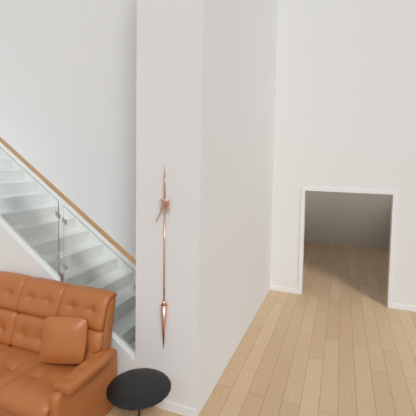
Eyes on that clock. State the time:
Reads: 7:00
